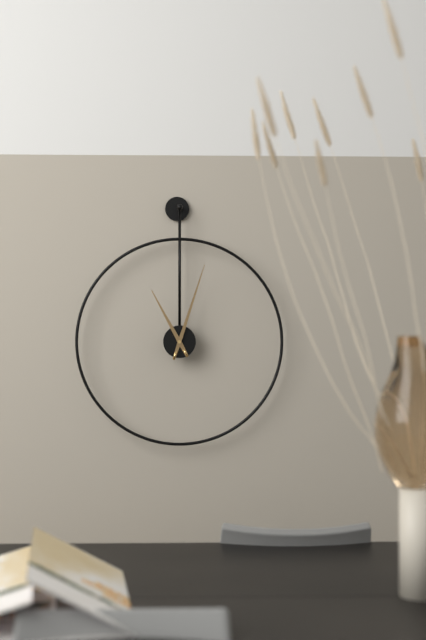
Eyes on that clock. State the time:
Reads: 11:03
